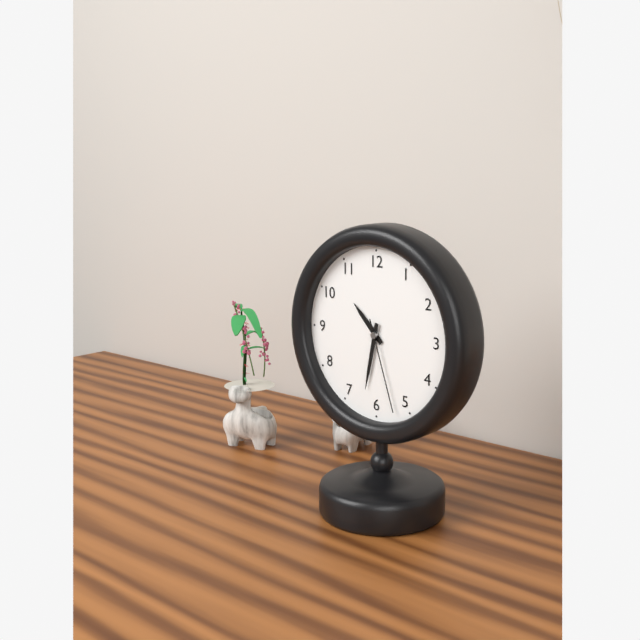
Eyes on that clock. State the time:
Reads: 10:32:27
